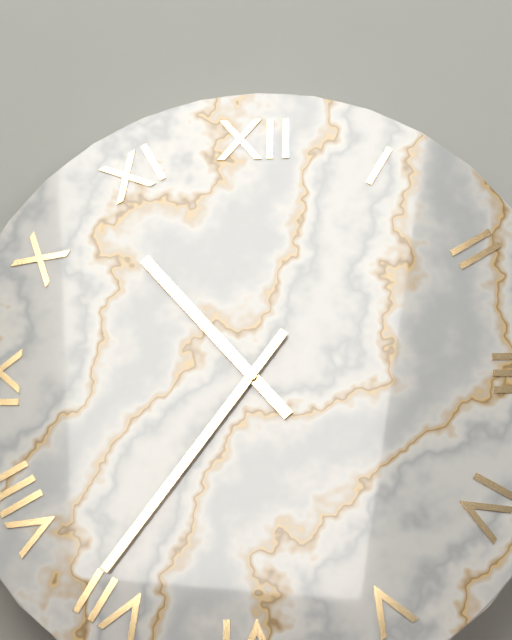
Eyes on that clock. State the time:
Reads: 10:36
